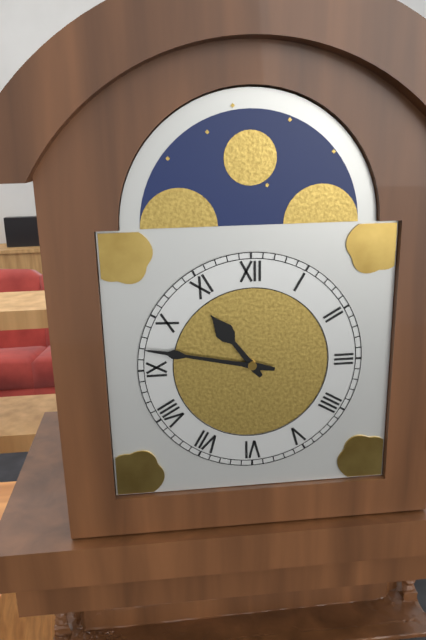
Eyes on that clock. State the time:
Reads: 10:47
